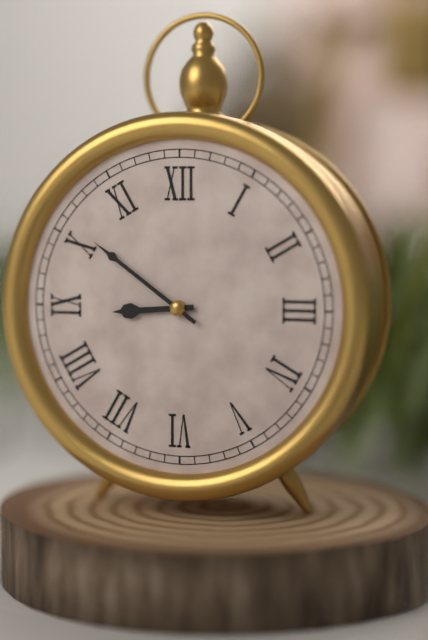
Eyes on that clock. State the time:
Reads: 8:51
